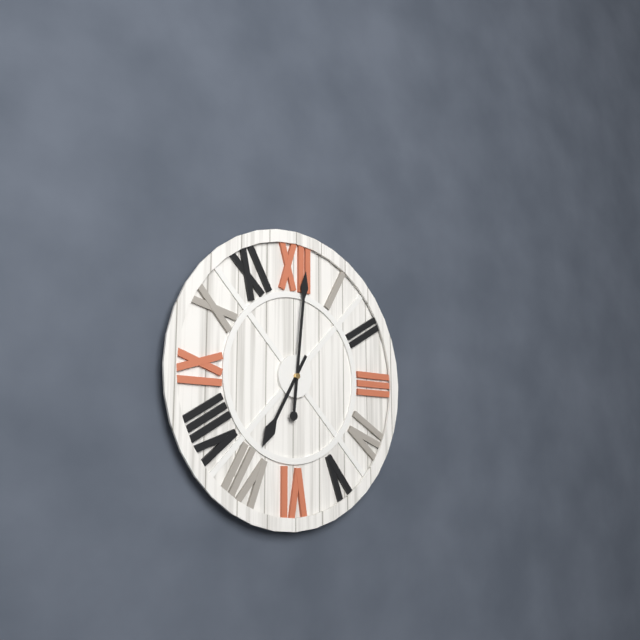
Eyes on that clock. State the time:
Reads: 7:01
